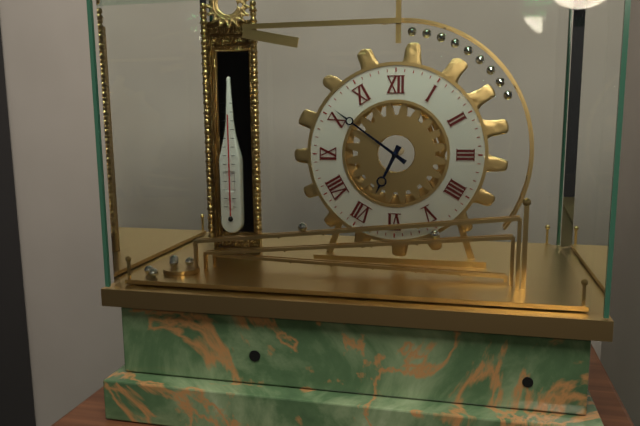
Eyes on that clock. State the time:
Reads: 6:51
